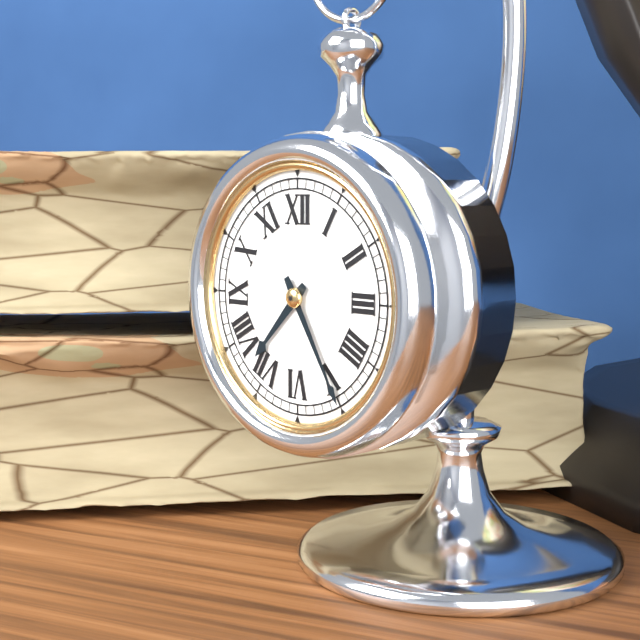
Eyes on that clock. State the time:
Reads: 7:25
